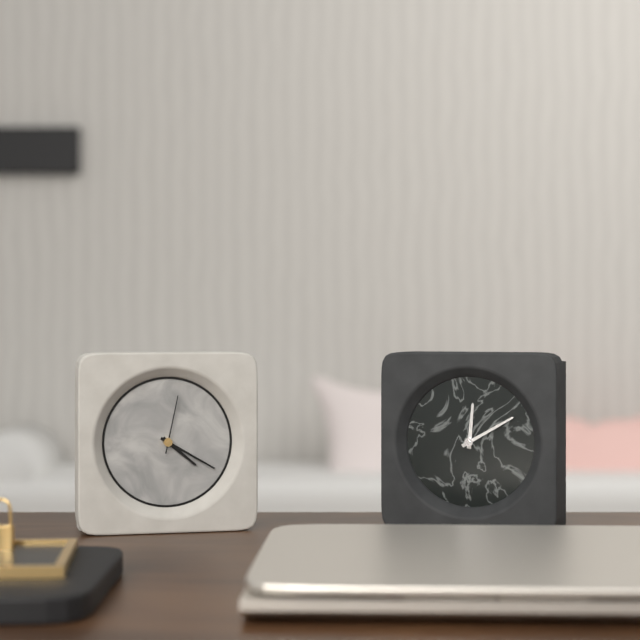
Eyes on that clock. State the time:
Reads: 4:20:02
